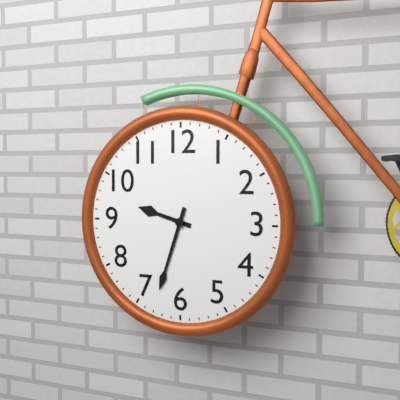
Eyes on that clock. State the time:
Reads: 9:33
